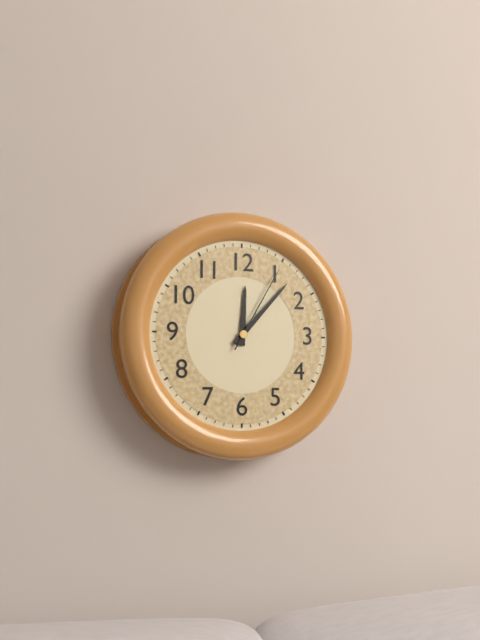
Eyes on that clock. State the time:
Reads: 12:07:05
